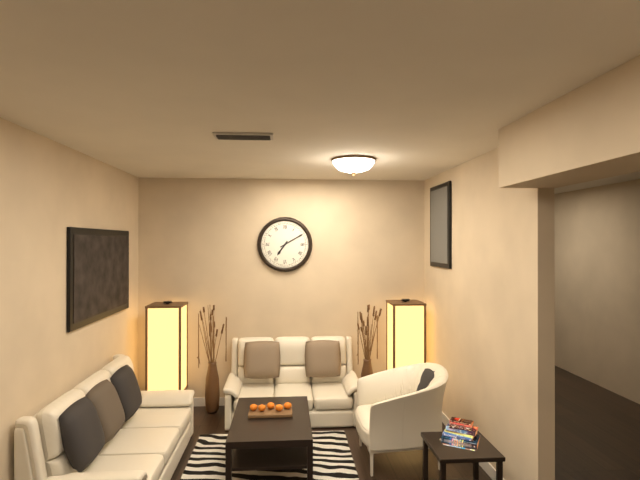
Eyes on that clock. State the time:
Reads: 7:10
